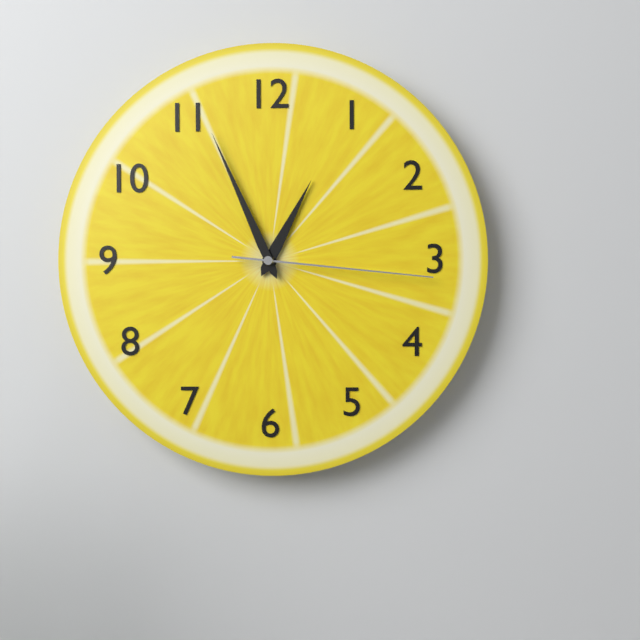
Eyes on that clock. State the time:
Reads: 12:56:16
